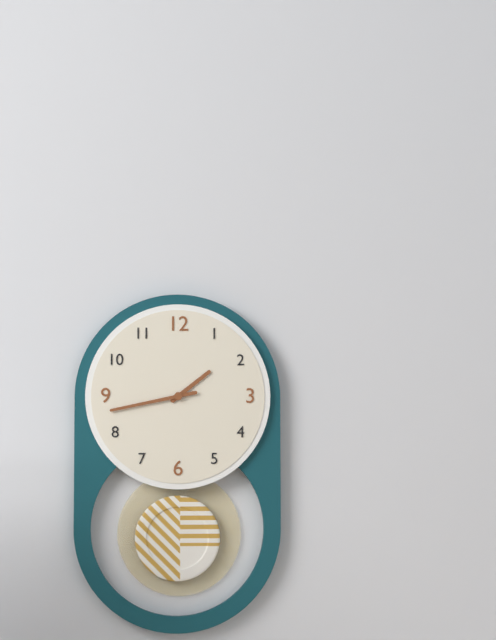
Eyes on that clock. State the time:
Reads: 1:43
